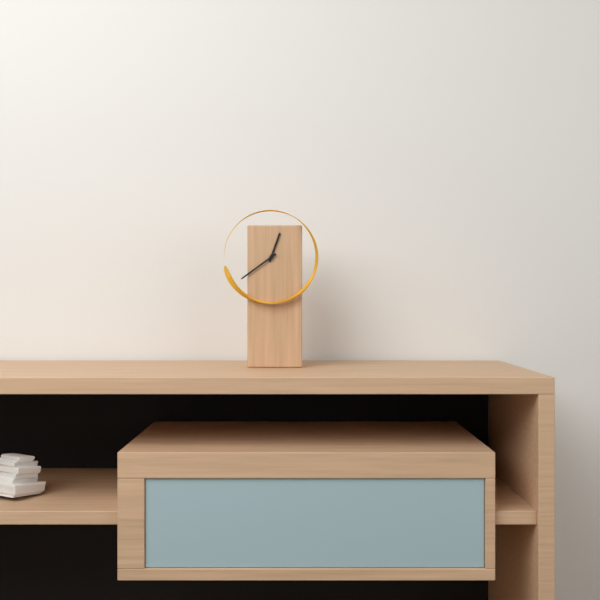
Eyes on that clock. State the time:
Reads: 12:39
